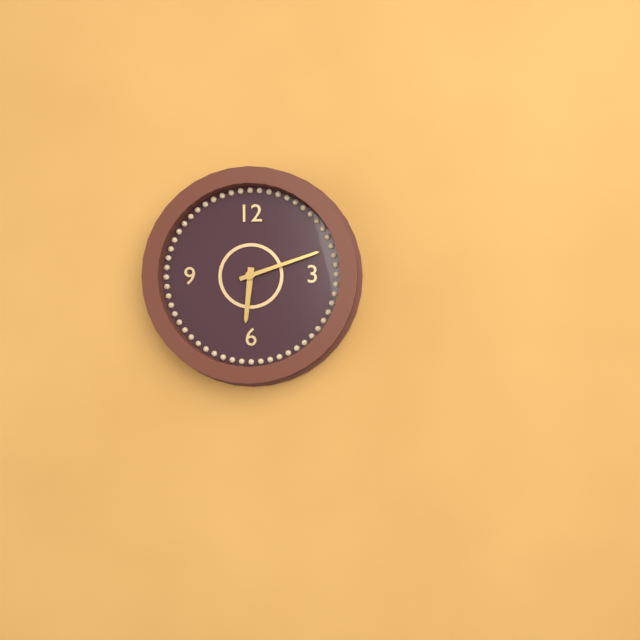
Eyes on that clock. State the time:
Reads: 6:12
